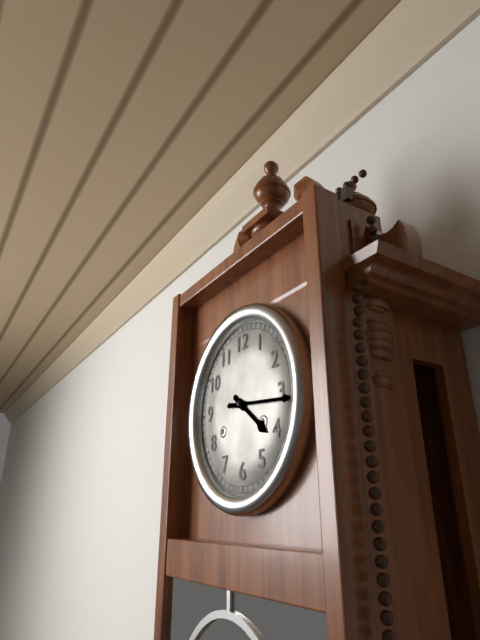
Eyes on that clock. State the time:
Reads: 4:16
